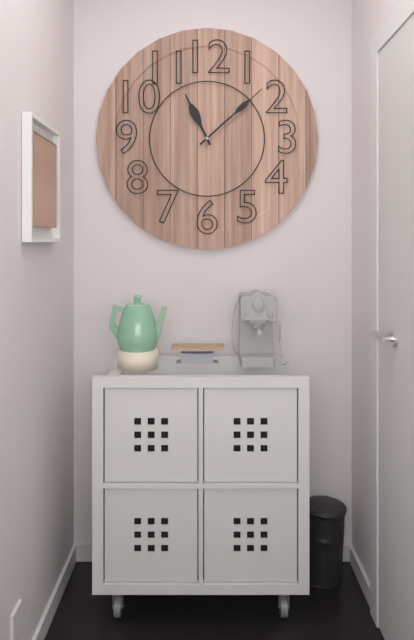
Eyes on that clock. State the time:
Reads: 11:08
